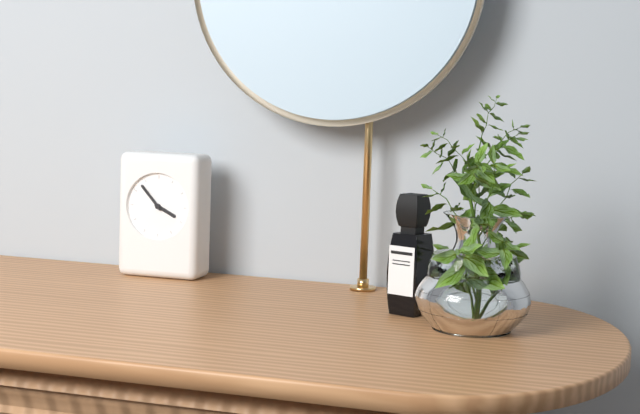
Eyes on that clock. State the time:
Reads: 3:53
